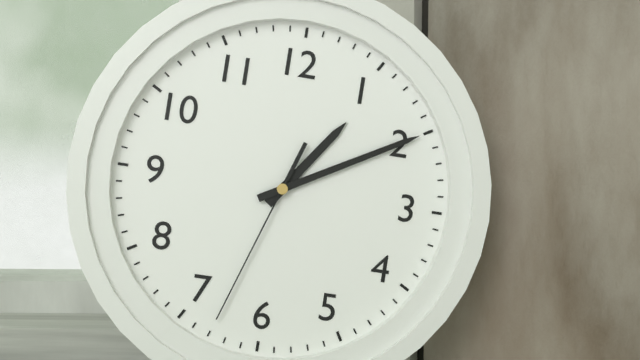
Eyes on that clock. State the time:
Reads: 1:10:33
